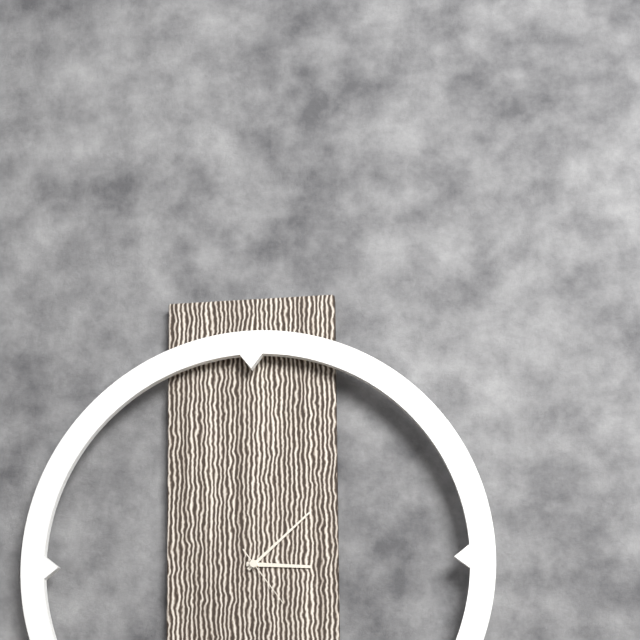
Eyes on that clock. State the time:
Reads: 3:08:24
